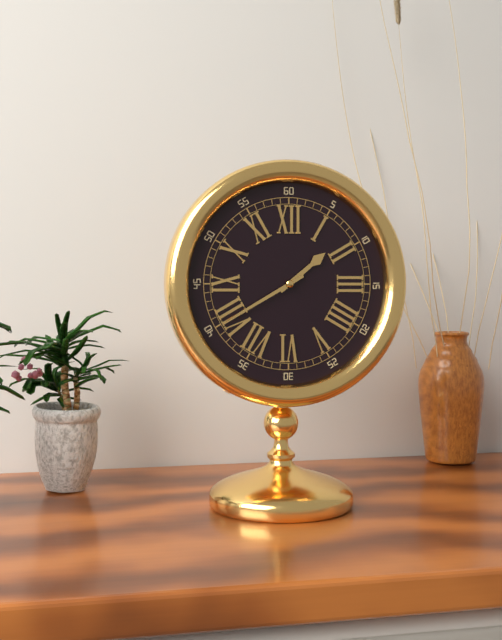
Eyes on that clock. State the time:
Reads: 1:40
